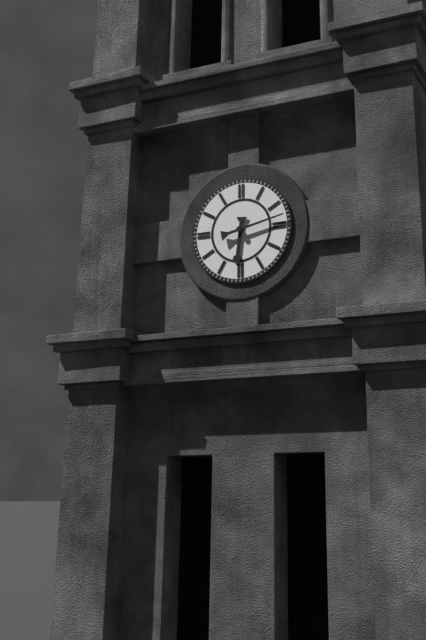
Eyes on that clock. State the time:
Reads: 6:13
